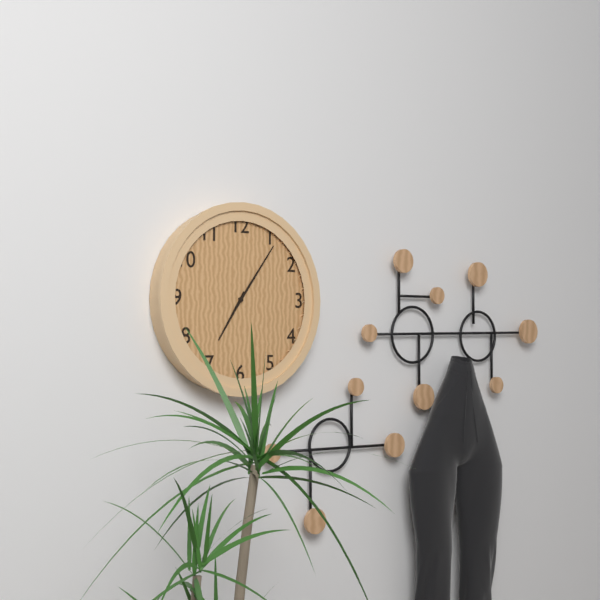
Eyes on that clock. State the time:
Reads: 7:06
